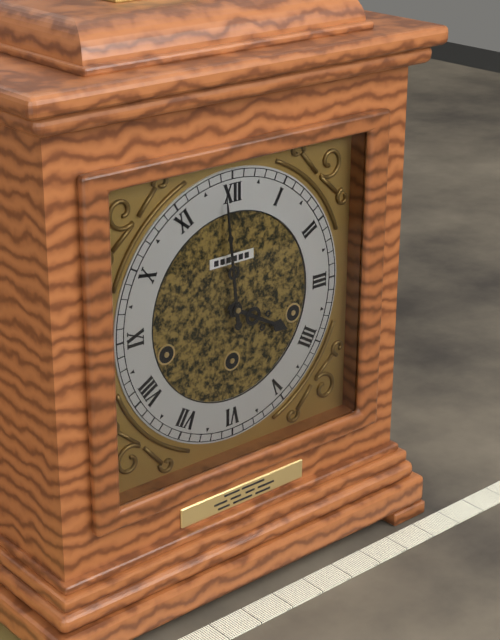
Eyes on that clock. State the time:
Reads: 3:59
